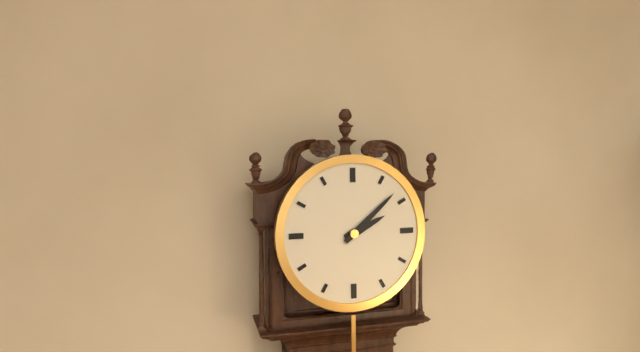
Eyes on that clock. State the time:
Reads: 2:08
